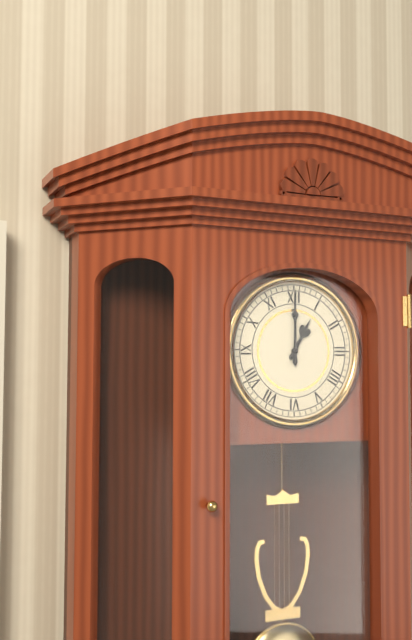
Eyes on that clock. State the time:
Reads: 1:00
